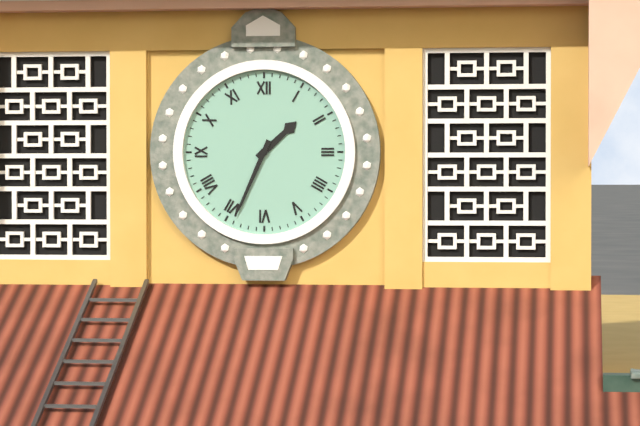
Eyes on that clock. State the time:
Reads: 1:34
